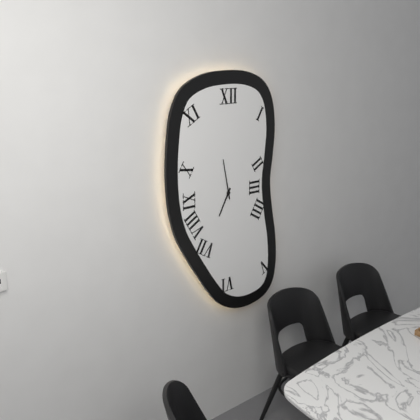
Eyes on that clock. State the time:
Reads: 6:58
